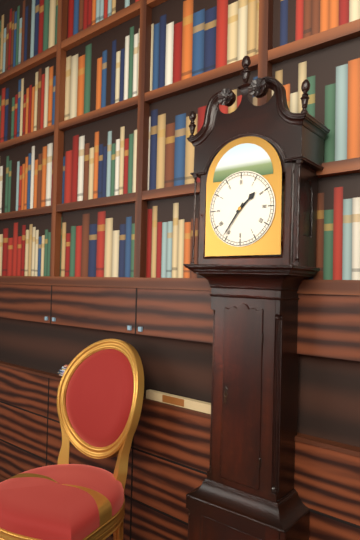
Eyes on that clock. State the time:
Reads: 1:36
